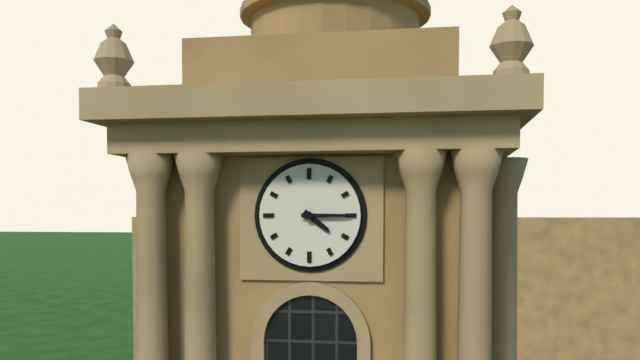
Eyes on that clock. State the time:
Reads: 4:15
